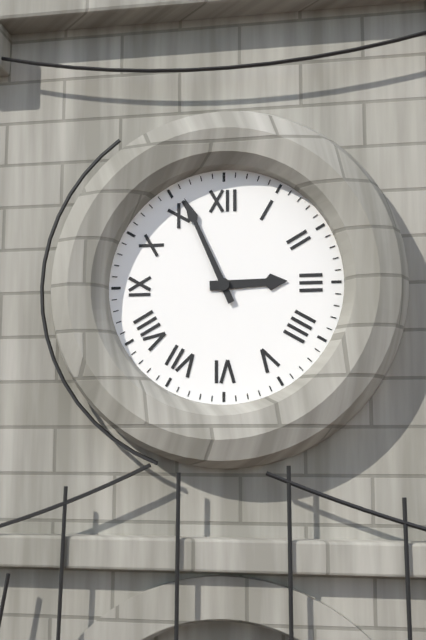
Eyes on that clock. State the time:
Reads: 2:56
